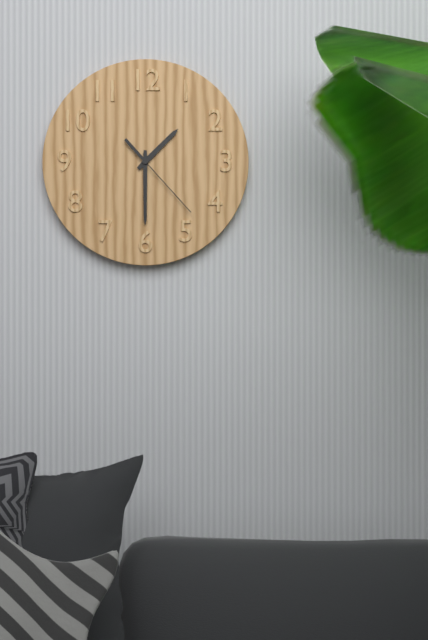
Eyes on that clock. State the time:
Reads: 1:30:23
